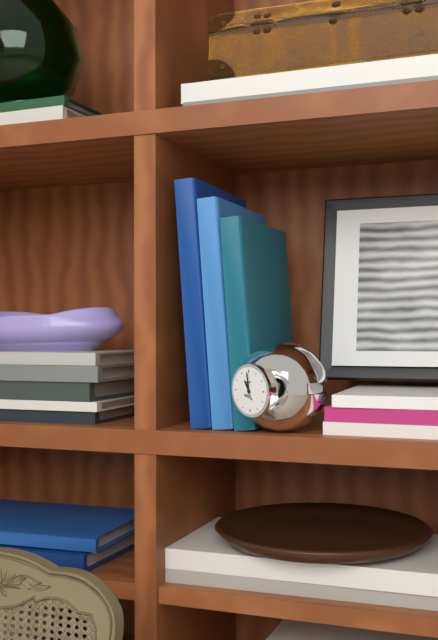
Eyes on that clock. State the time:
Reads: 10:59
